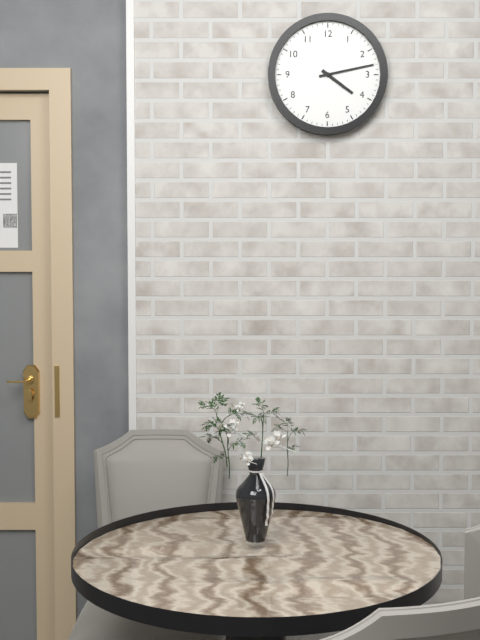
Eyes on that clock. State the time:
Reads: 4:13
